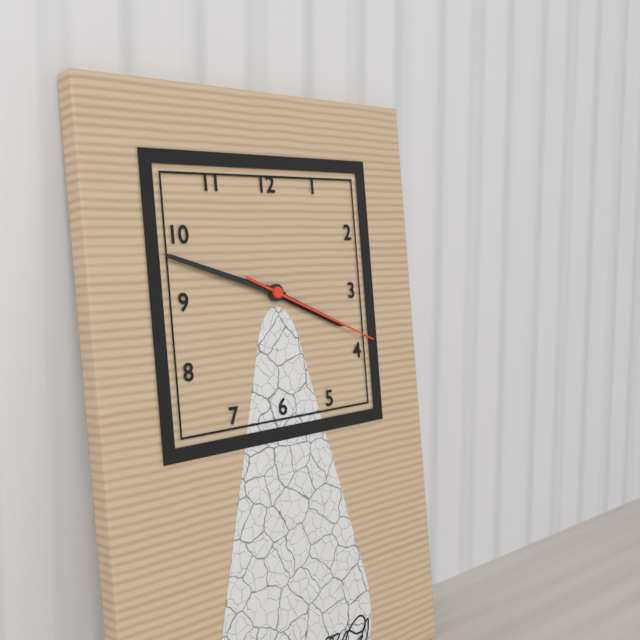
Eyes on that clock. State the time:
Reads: 3:48:19
